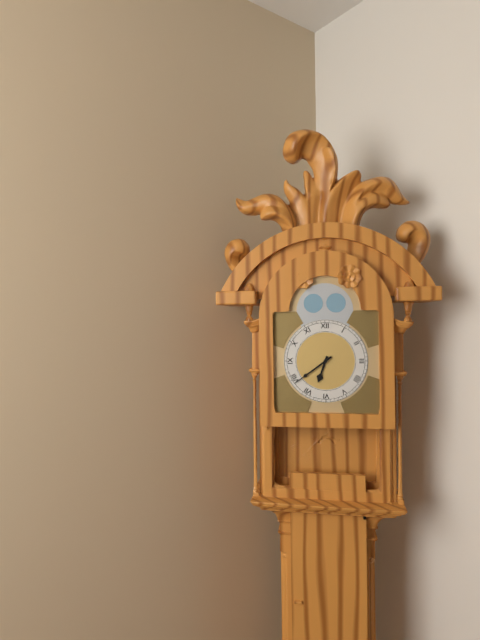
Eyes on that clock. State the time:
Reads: 6:39
